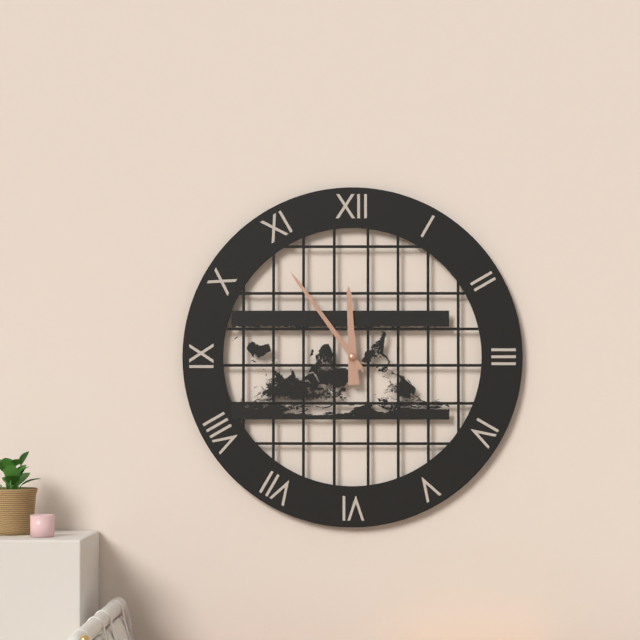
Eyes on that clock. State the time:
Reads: 11:54:54
